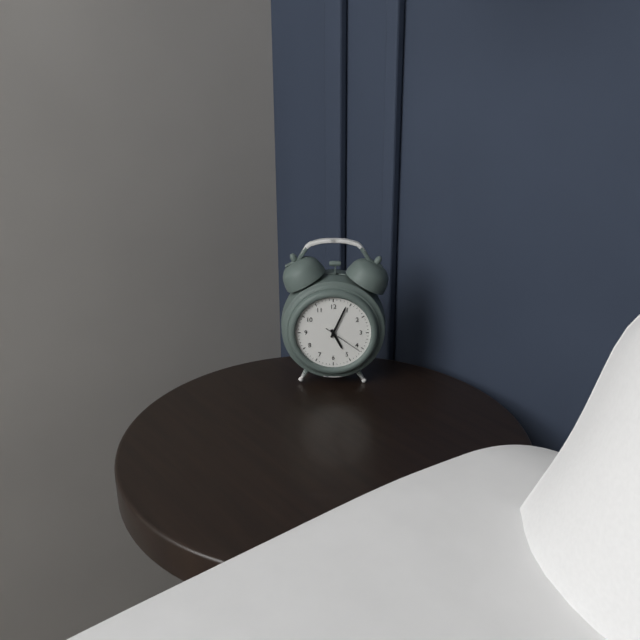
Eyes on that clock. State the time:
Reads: 5:04
